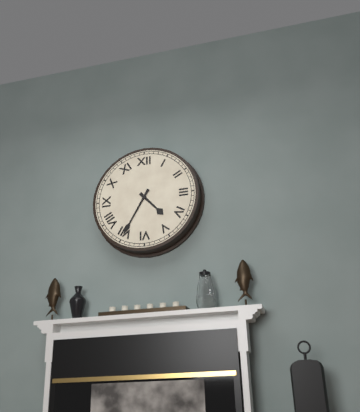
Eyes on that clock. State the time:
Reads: 4:35
